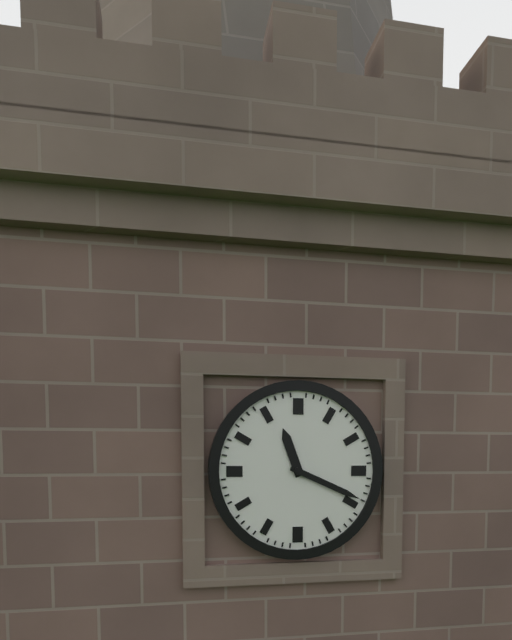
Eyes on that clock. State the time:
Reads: 11:19
